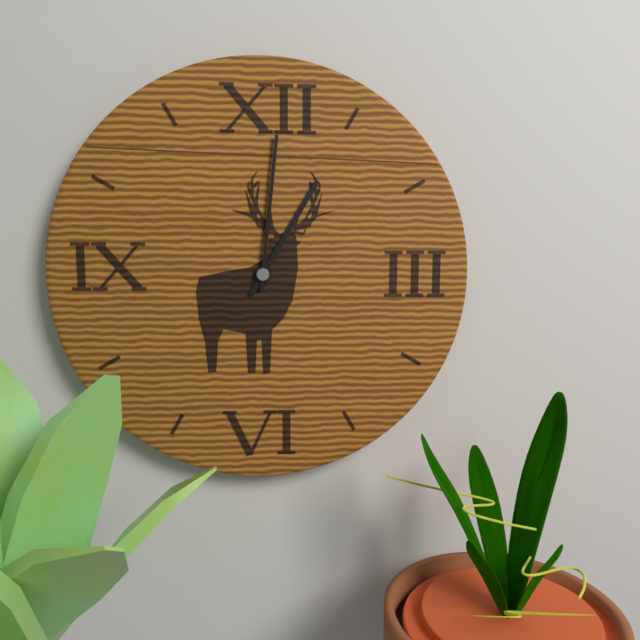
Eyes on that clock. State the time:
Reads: 1:01
